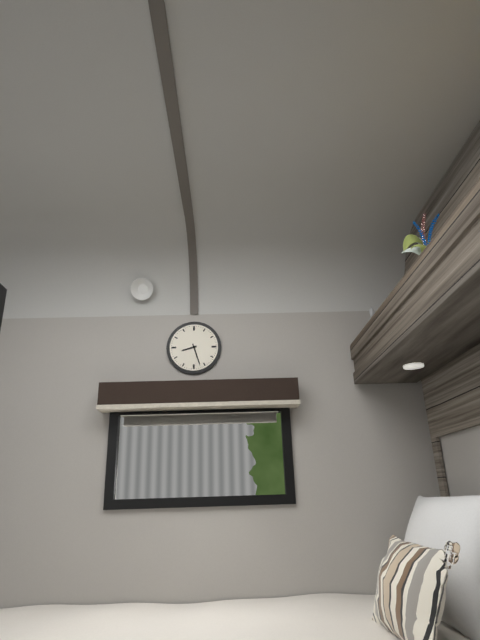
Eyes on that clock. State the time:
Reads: 8:27
